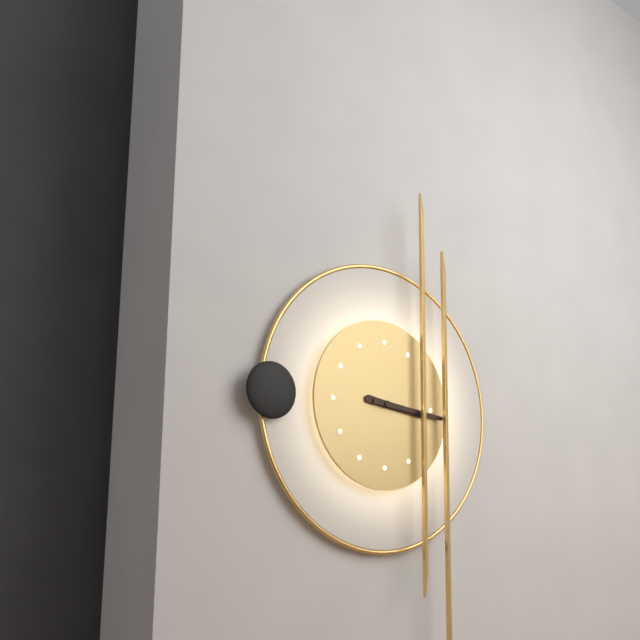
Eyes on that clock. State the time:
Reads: 3:16
